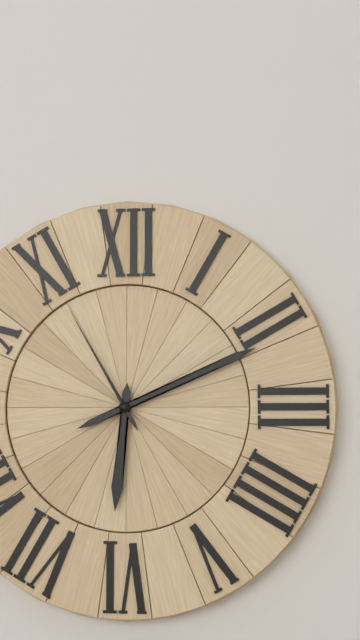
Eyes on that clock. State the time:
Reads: 6:11:55
